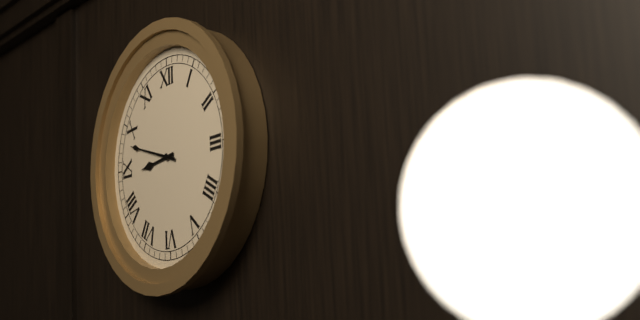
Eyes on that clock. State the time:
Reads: 8:48
